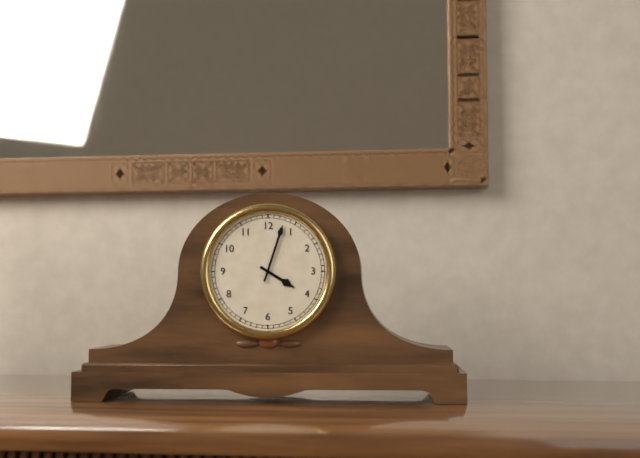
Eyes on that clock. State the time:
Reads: 4:03
